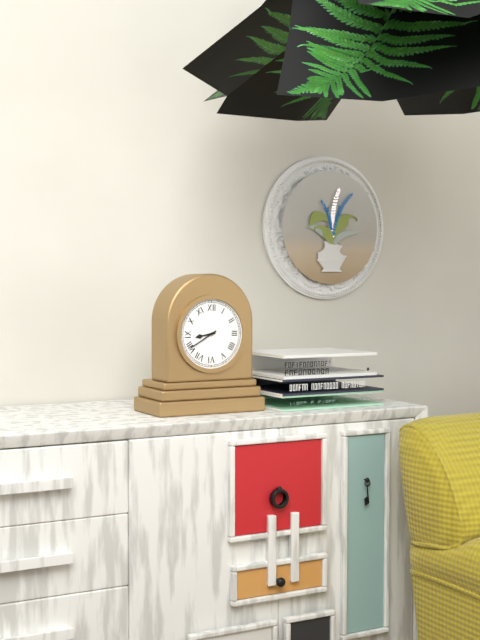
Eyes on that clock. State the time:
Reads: 8:40
